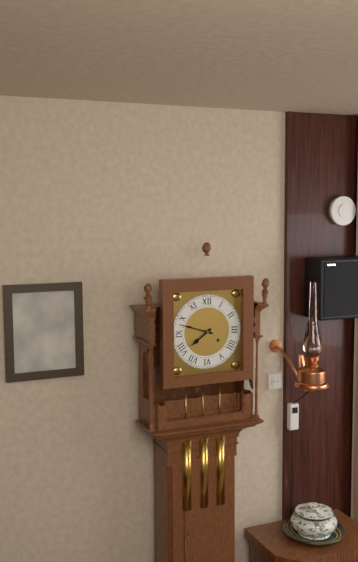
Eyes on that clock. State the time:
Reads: 7:48
